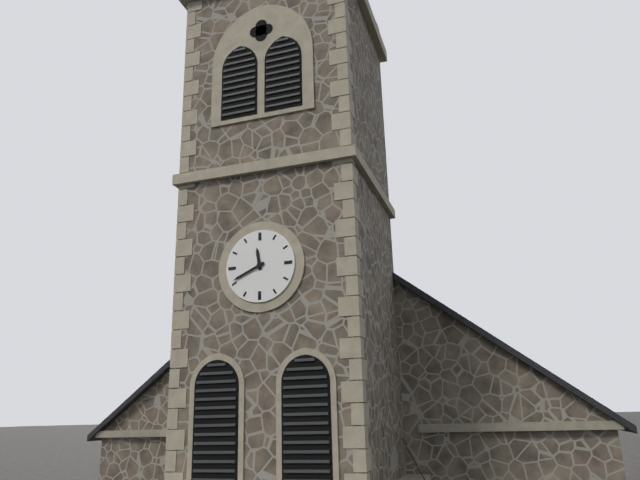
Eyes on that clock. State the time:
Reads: 11:41
